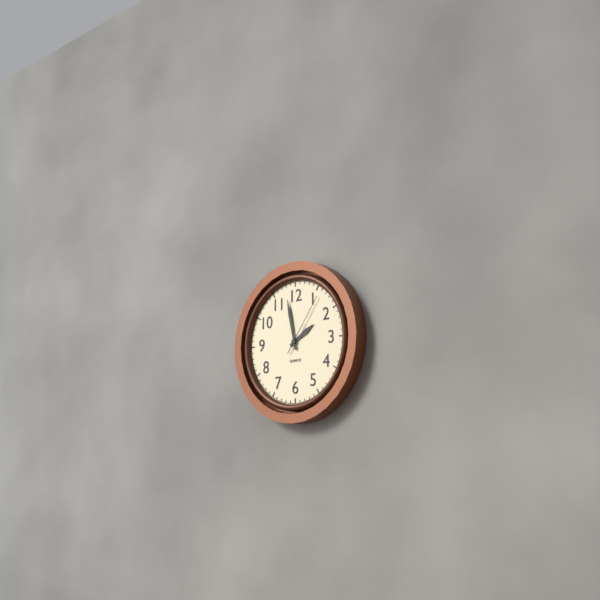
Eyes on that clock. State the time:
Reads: 1:58:06
